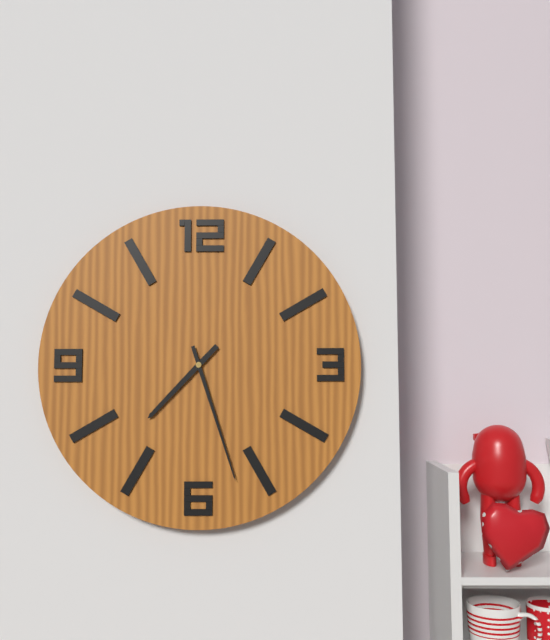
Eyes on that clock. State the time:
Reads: 7:27
